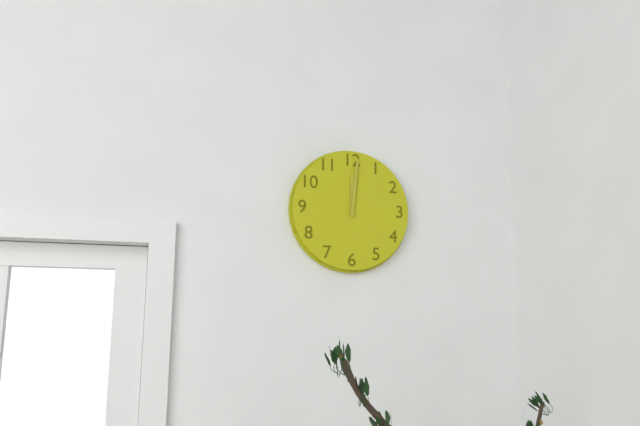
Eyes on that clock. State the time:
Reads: 12:01
